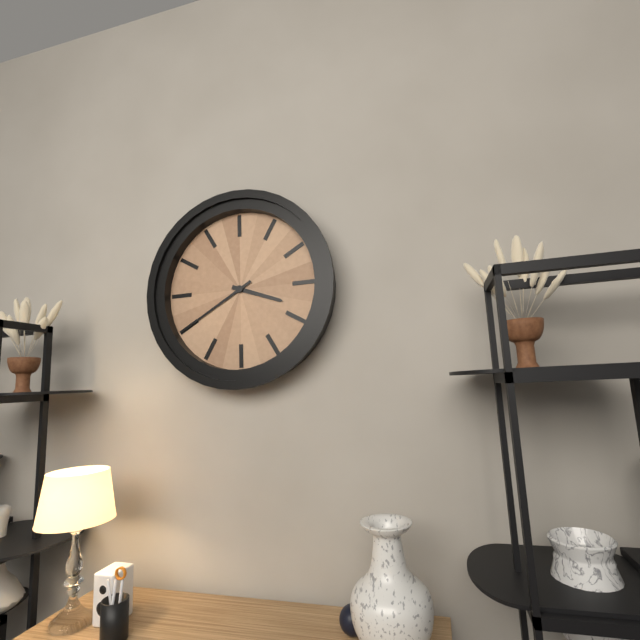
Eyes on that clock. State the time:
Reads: 3:40
